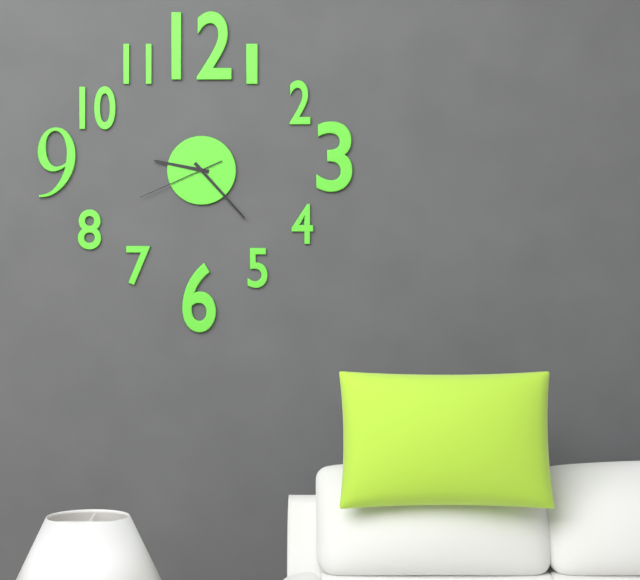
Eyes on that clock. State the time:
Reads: 9:23:41
